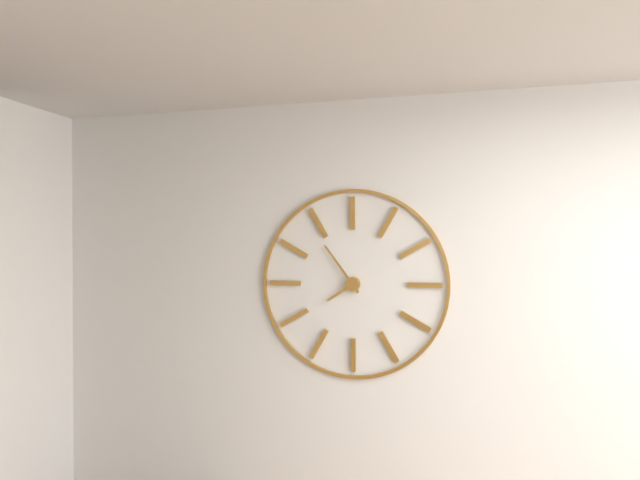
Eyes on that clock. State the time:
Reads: 7:54
